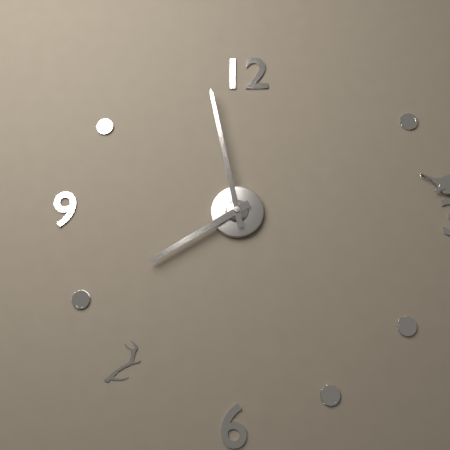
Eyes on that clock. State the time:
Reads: 7:58
